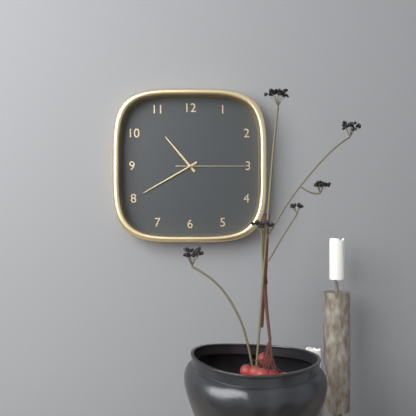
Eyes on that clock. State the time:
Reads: 10:40:15
